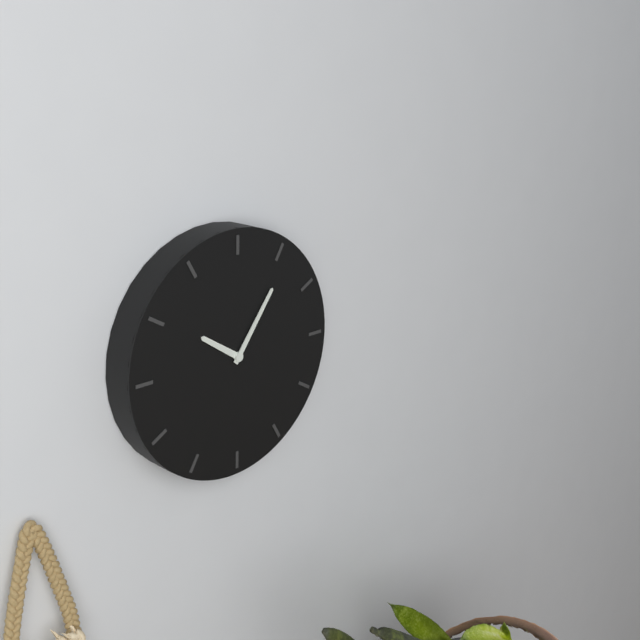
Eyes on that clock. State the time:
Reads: 10:06
